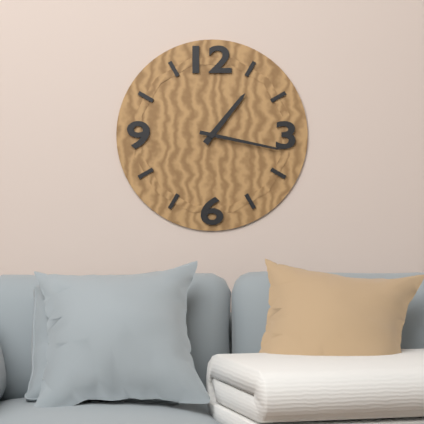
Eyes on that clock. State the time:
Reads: 1:17
